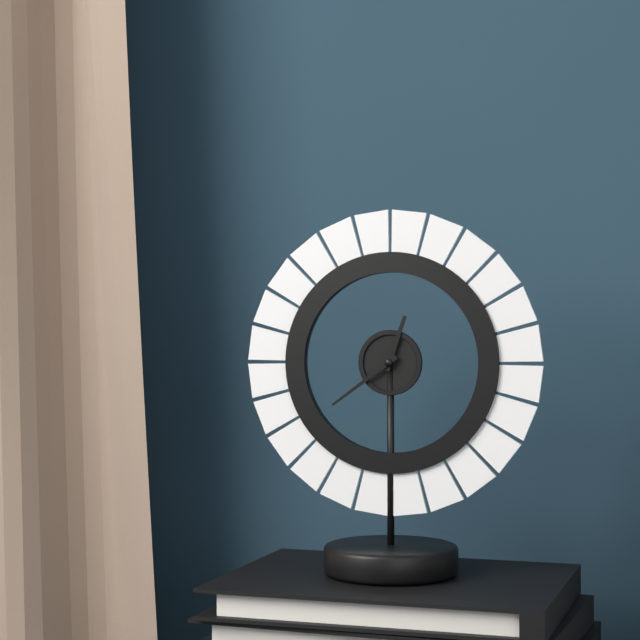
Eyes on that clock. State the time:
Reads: 12:39
